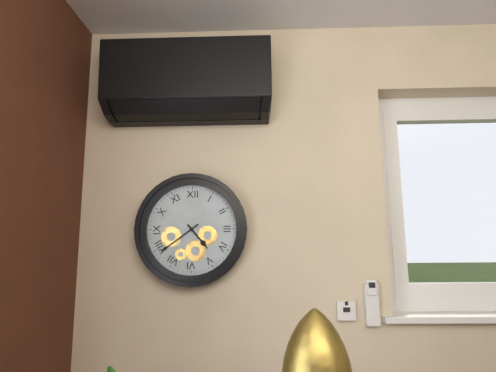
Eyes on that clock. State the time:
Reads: 4:39
